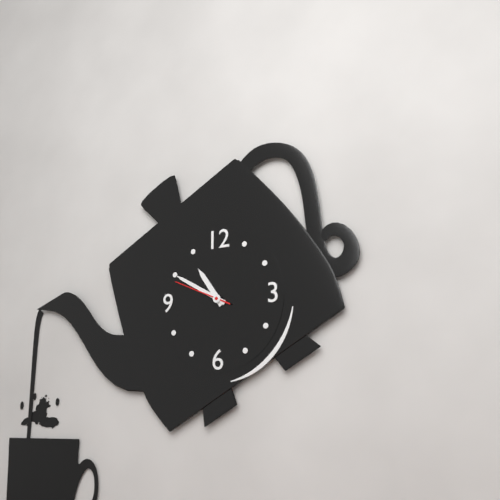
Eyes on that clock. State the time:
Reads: 10:50:49
